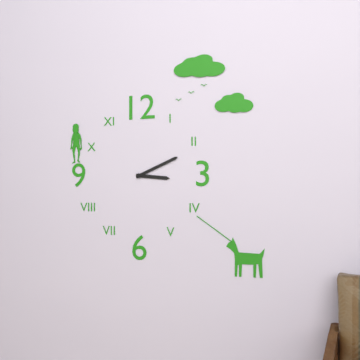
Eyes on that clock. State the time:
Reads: 3:11
